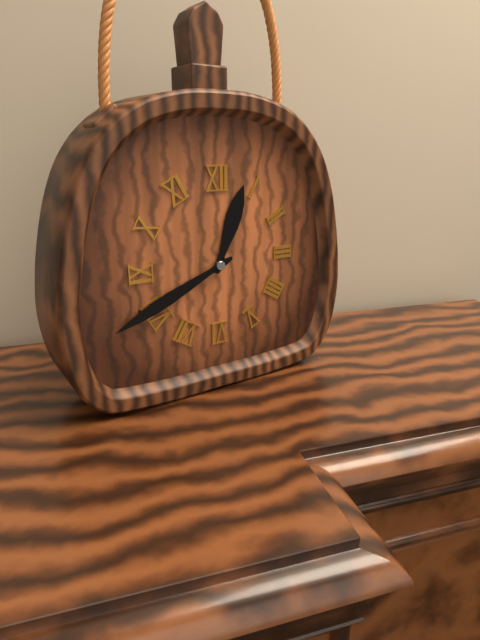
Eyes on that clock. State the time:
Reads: 12:41
